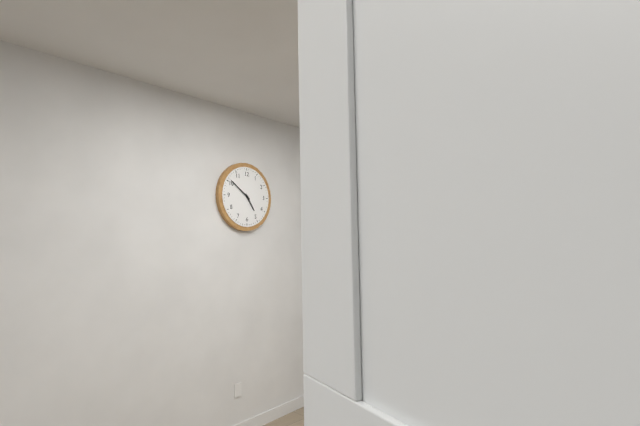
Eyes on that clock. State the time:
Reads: 4:51
